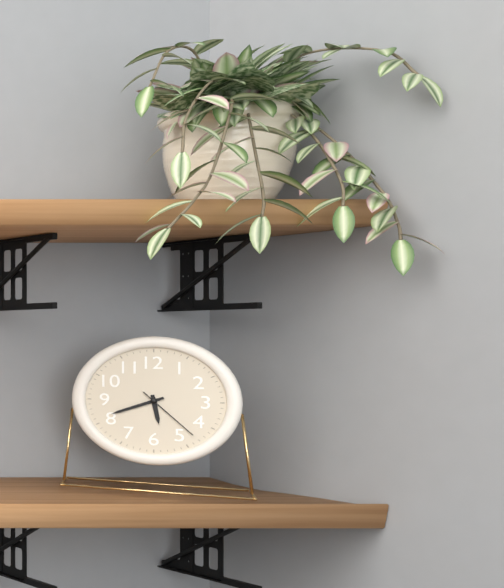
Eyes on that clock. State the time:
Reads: 5:41:23
